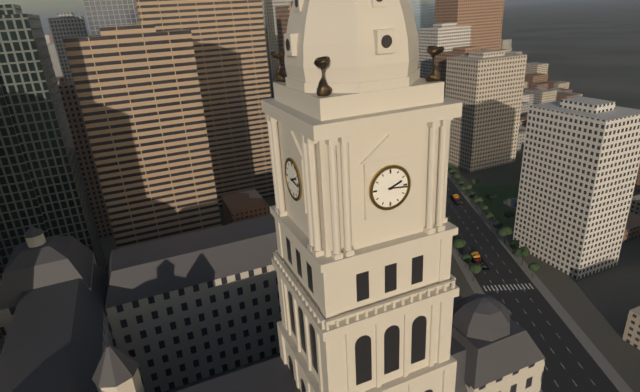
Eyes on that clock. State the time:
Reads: 2:16
